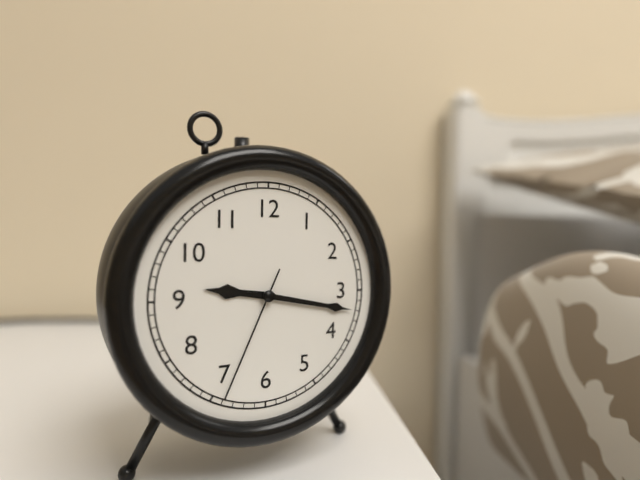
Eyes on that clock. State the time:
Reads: 9:17:34
